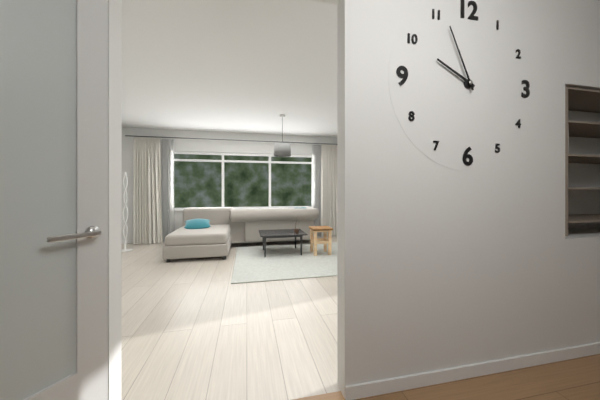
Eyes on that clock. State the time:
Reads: 9:56
